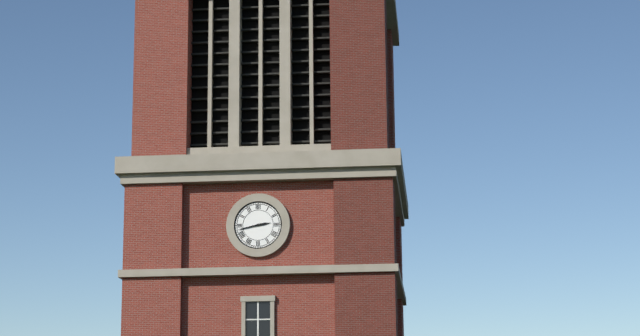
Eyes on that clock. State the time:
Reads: 2:43
